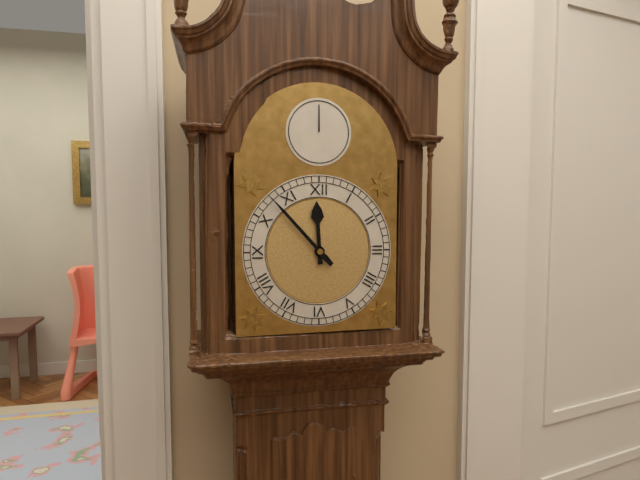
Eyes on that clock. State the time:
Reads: 11:53
